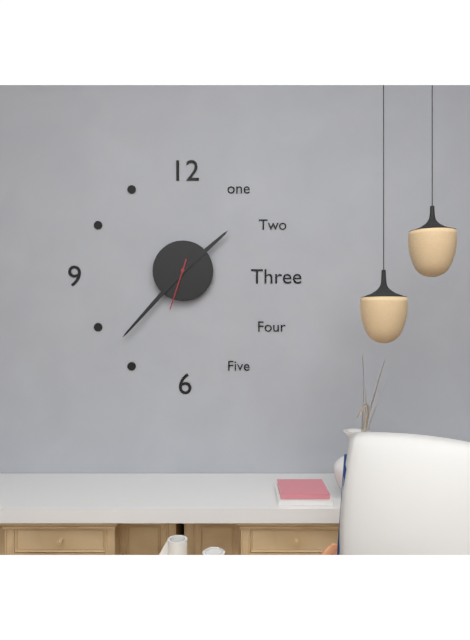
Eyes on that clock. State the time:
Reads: 1:37:33
